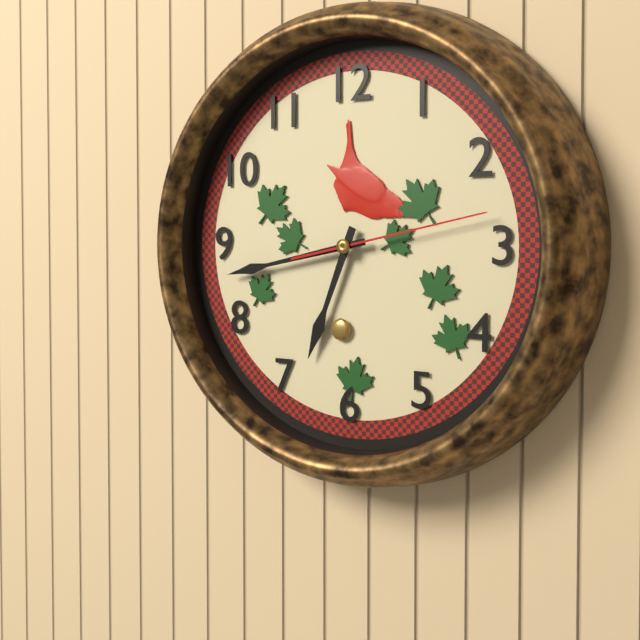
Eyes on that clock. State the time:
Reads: 6:43:13
